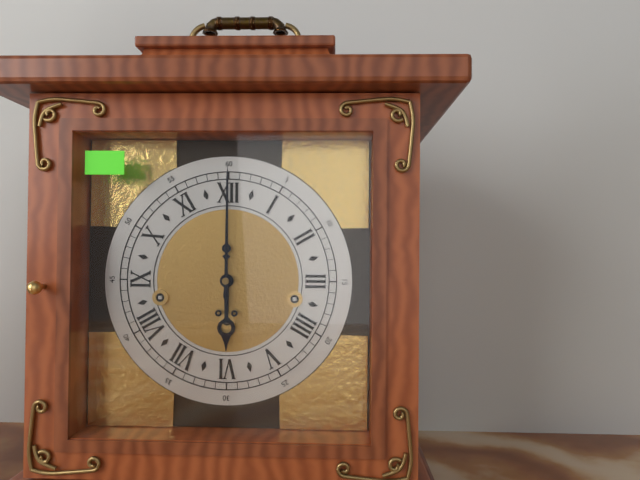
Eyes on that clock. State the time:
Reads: 6:00
